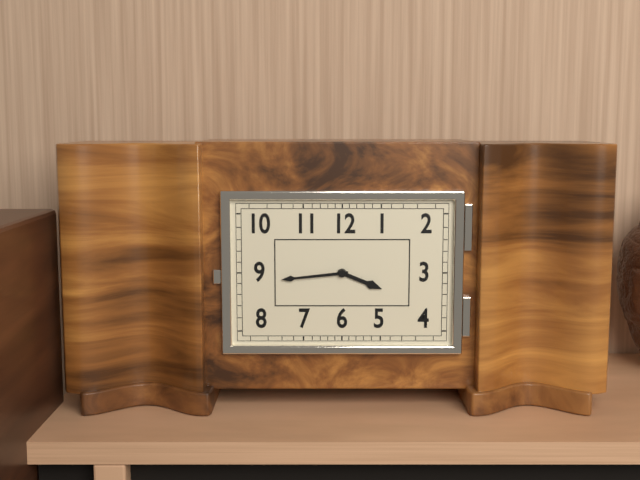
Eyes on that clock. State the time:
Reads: 3:44
